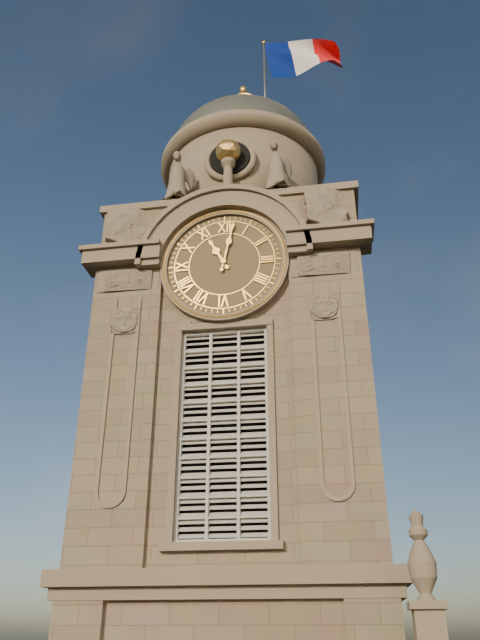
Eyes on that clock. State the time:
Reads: 11:02
